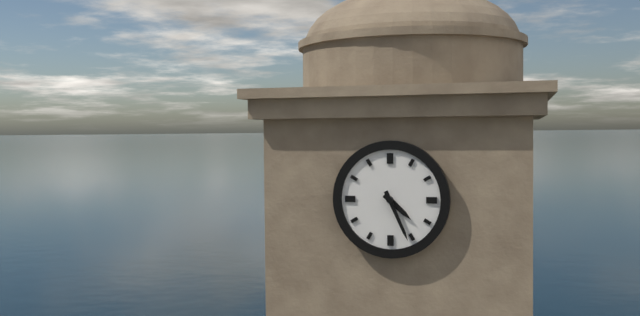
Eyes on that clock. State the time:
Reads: 4:26
